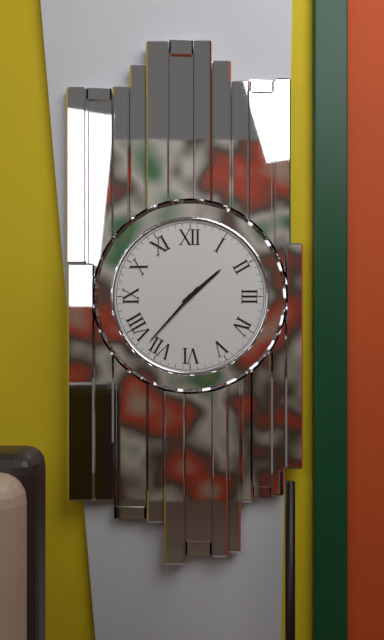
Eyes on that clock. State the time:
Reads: 1:37
